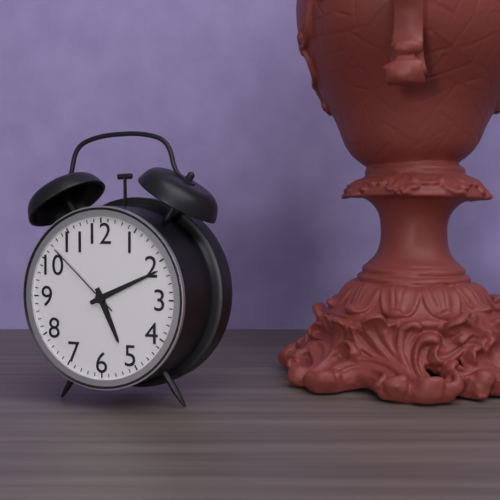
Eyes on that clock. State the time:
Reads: 5:11:52
